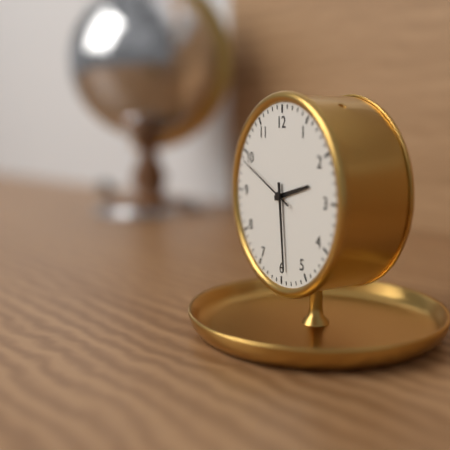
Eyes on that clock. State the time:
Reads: 2:29:49
